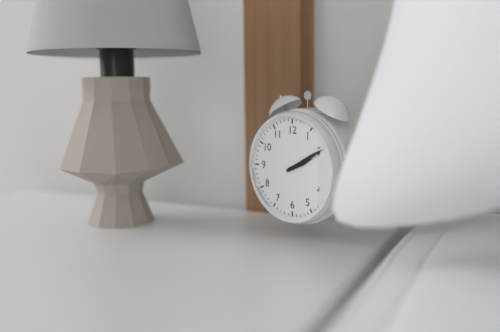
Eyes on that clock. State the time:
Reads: 2:10
